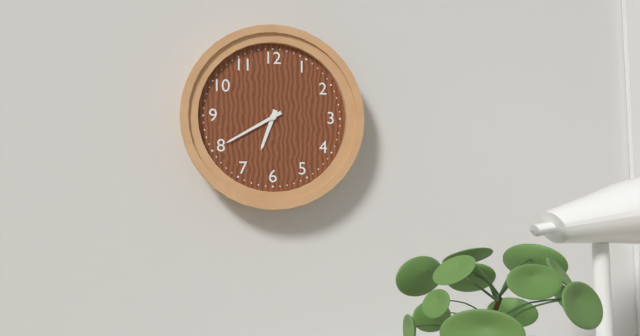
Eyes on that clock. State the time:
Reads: 6:40
